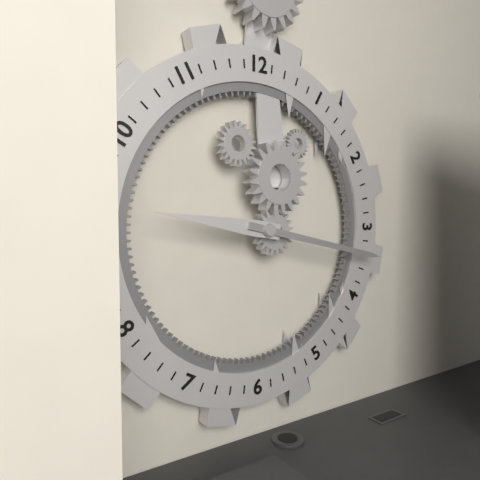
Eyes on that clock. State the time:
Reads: 9:17
